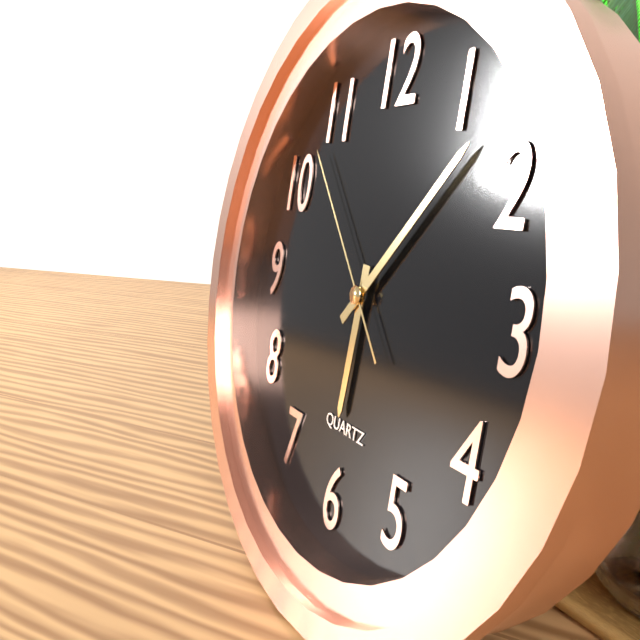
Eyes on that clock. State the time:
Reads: 6:07:53
